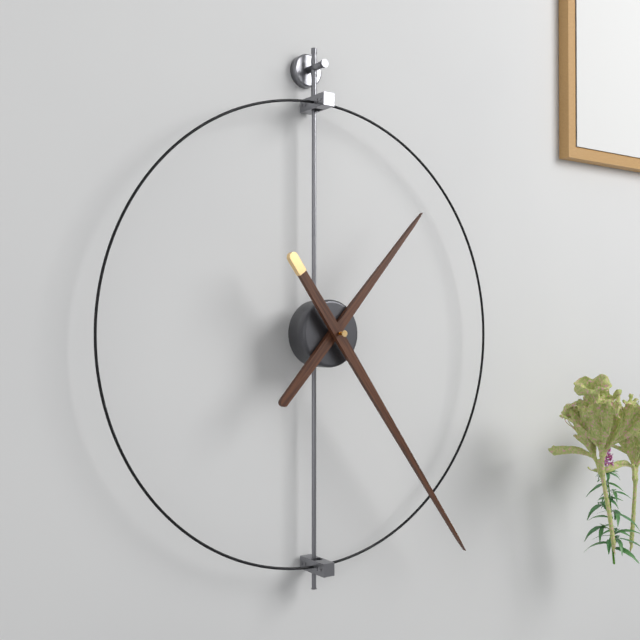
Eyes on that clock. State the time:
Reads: 1:24
